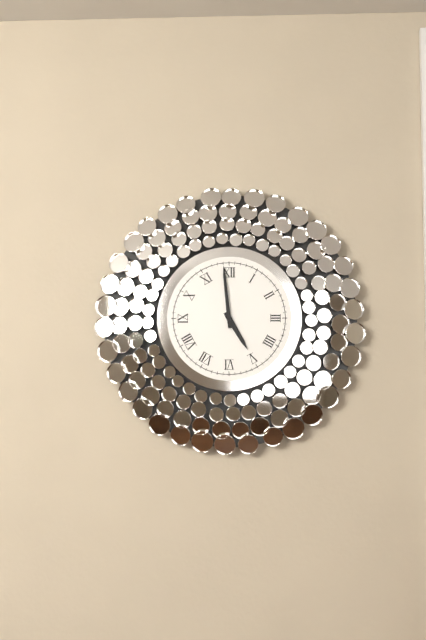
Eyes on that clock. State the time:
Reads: 4:59
